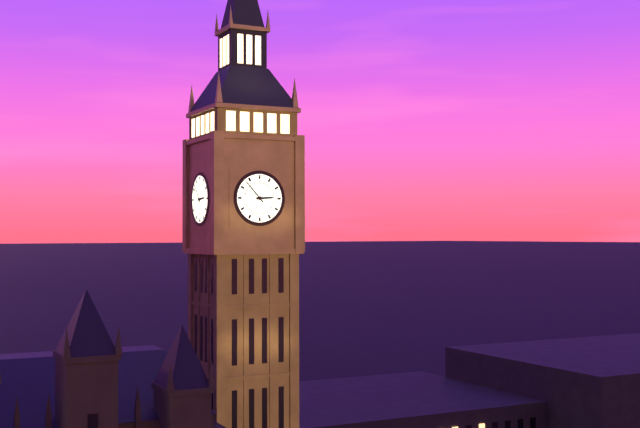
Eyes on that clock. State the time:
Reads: 2:53
